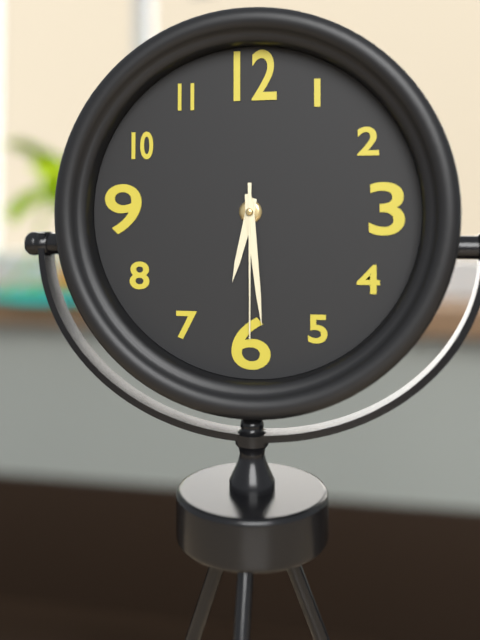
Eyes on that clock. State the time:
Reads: 6:29:30
